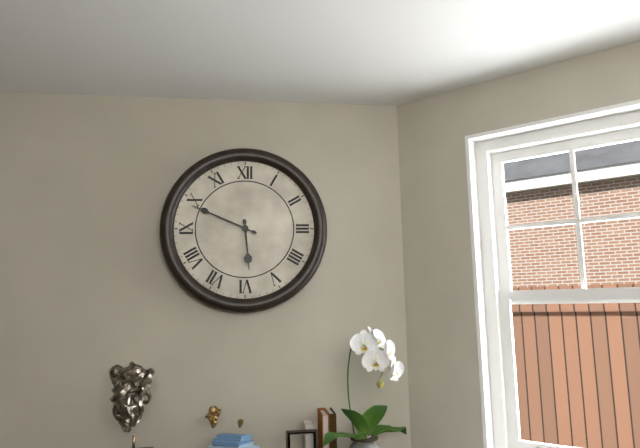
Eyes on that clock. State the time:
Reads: 5:49
